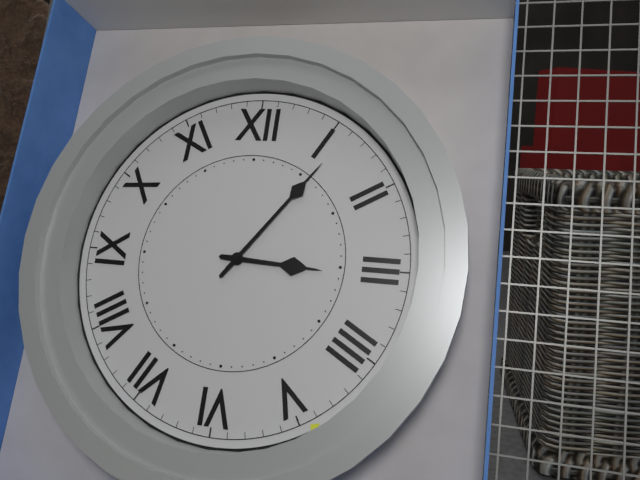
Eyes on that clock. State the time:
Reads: 3:06
